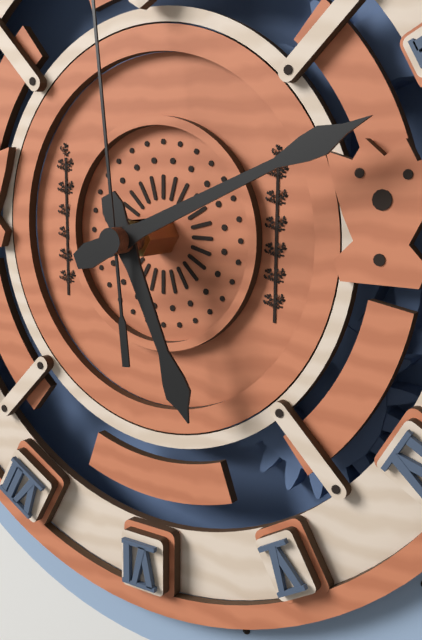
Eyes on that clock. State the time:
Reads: 5:11
